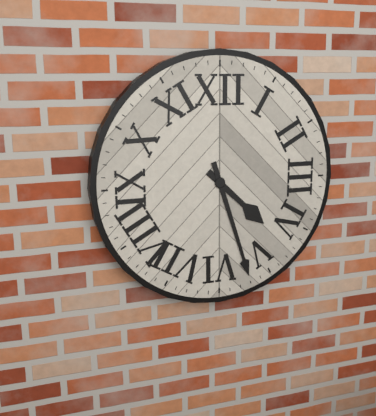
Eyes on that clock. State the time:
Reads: 4:27
